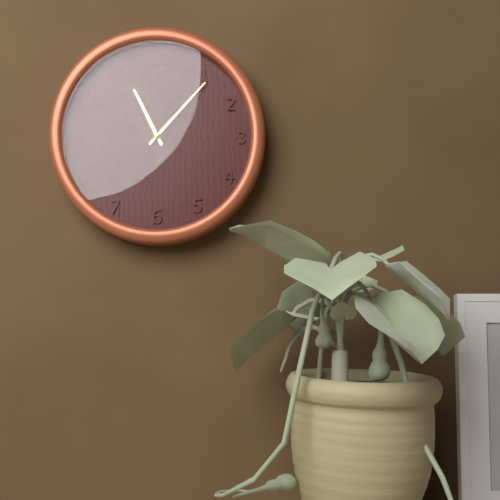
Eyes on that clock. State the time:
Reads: 11:07
